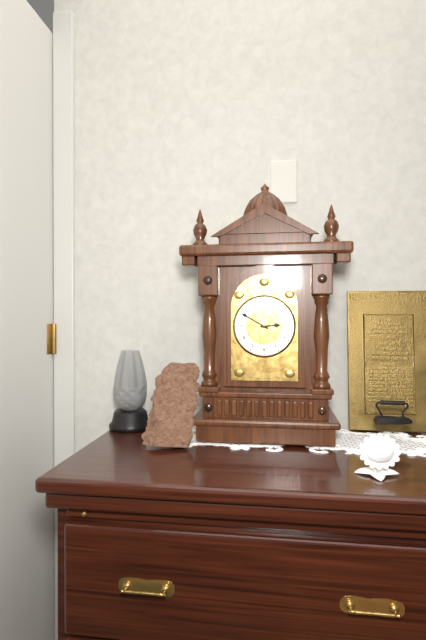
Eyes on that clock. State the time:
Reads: 2:50
